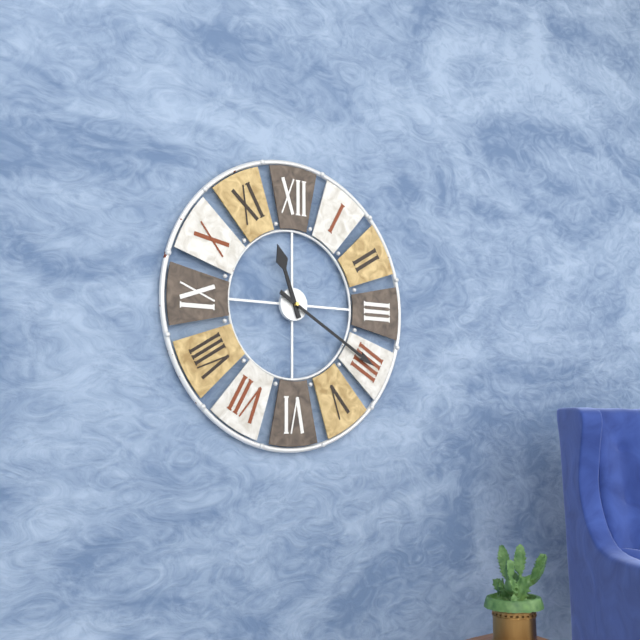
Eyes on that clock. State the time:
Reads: 11:20
